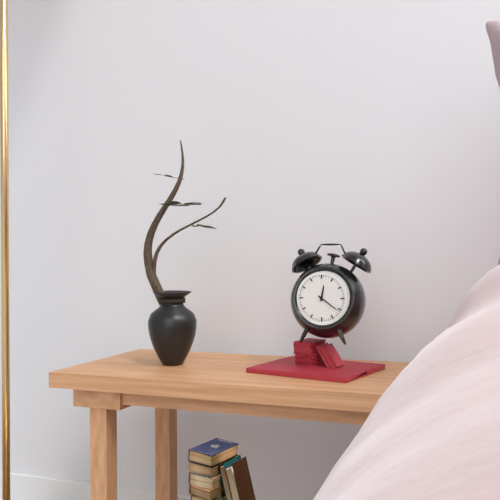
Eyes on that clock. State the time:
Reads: 12:21
